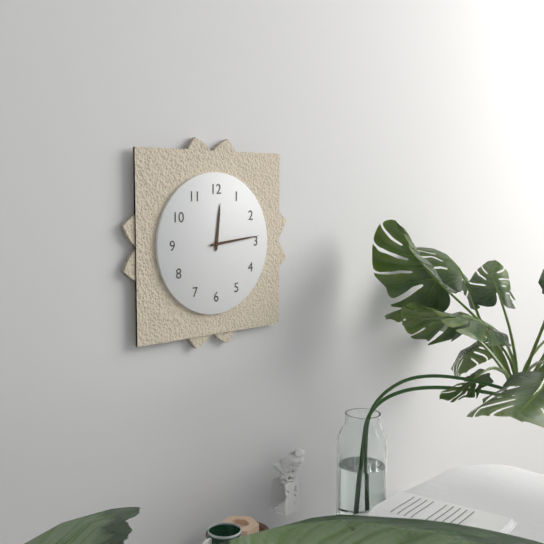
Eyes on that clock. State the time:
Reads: 12:14
